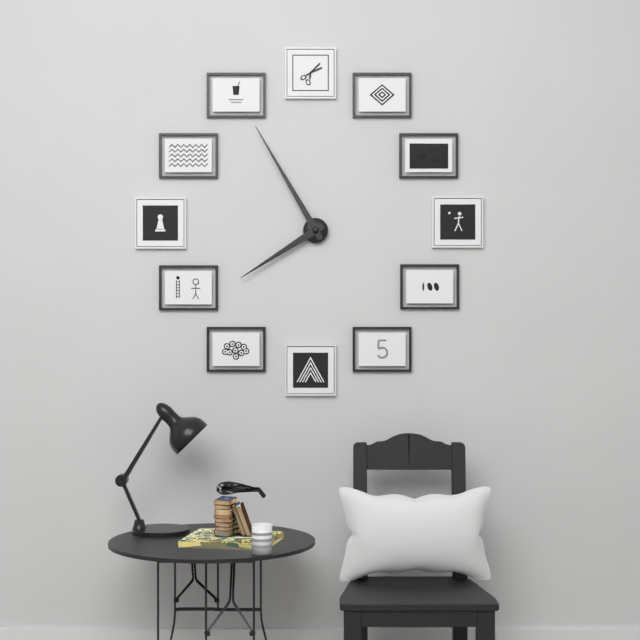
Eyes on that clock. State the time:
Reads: 7:55
